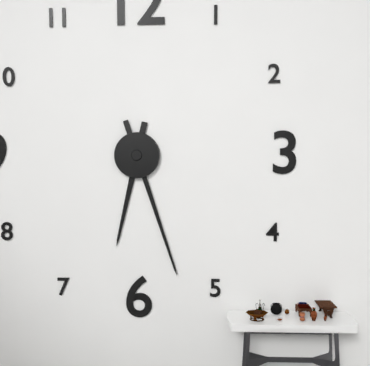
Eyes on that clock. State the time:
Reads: 6:27
